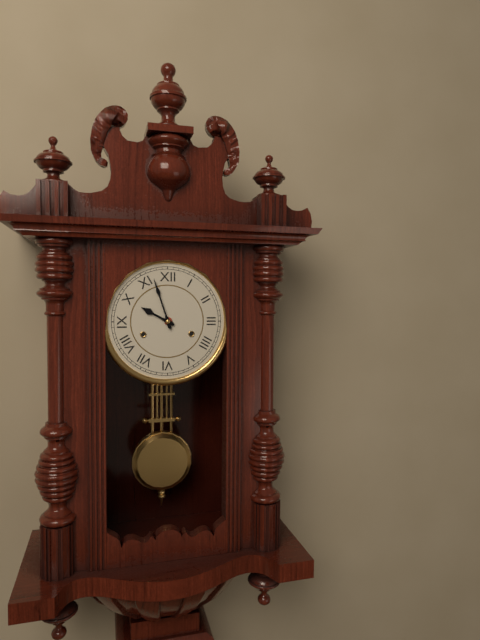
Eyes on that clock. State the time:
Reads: 9:57
